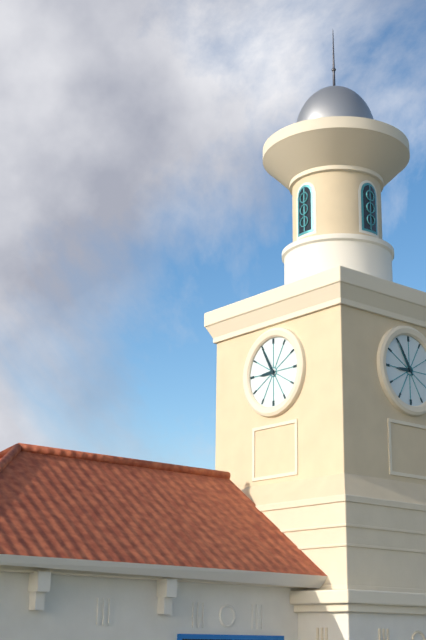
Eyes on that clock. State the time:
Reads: 8:55
